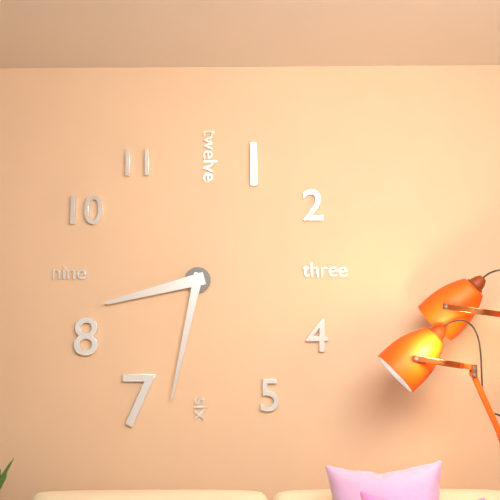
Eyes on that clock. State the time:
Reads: 8:32
